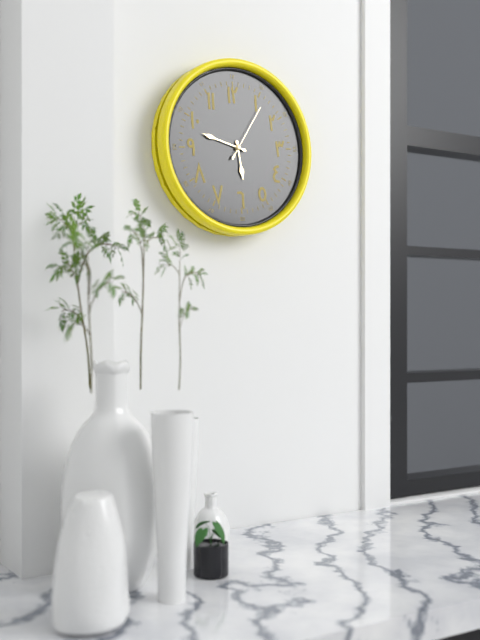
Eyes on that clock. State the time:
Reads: 5:48:06
